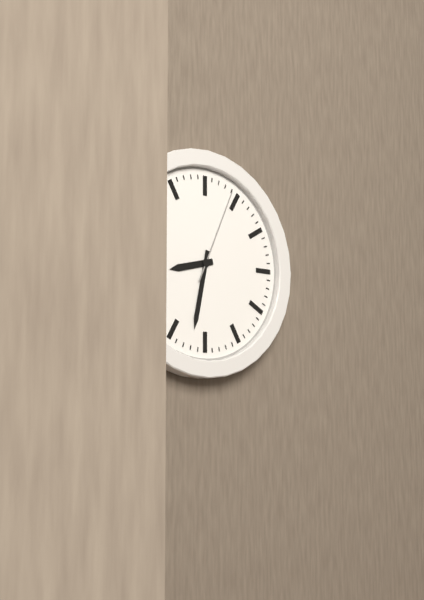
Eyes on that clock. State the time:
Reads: 8:32:04
